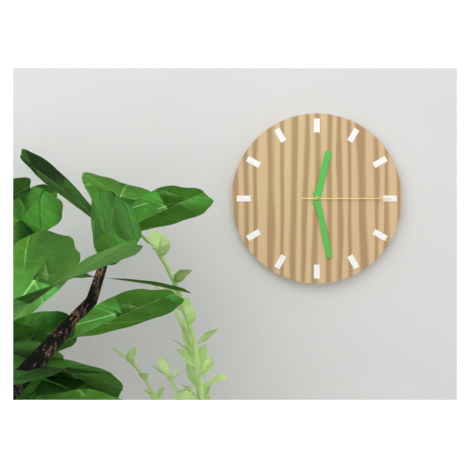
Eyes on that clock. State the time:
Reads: 12:28:15
